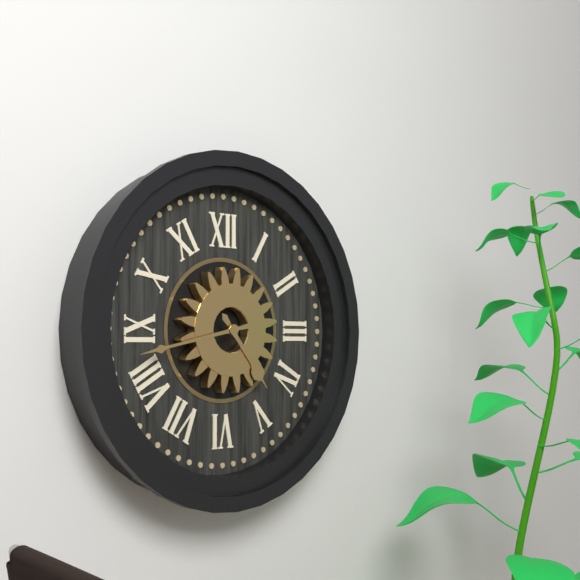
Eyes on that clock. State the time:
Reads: 4:43
